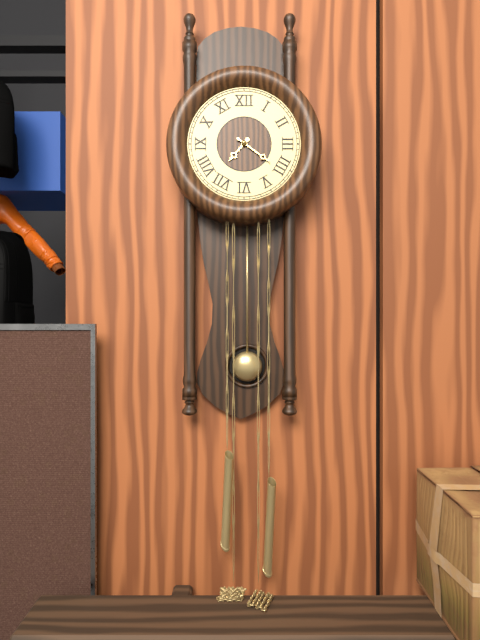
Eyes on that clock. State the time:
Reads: 7:21
